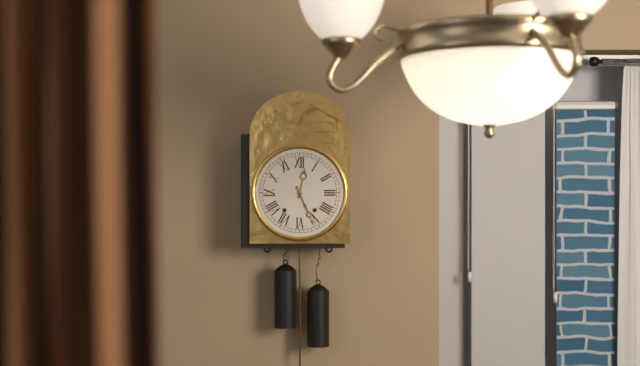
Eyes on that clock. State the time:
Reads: 12:26
